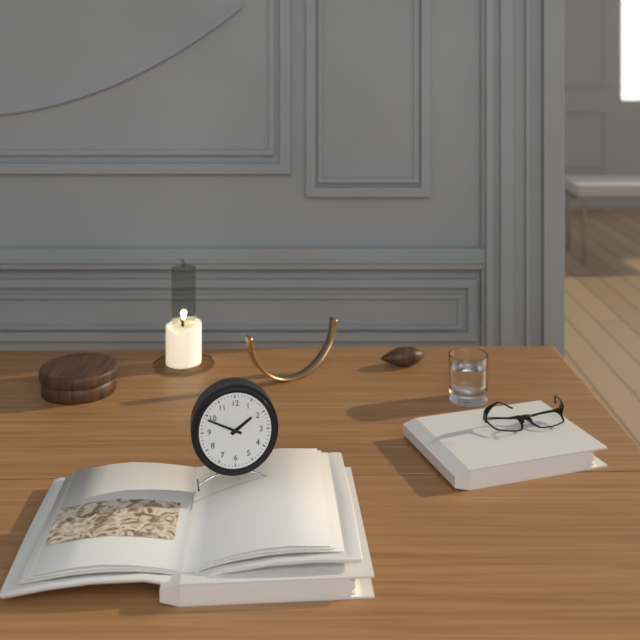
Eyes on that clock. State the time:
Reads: 1:49
